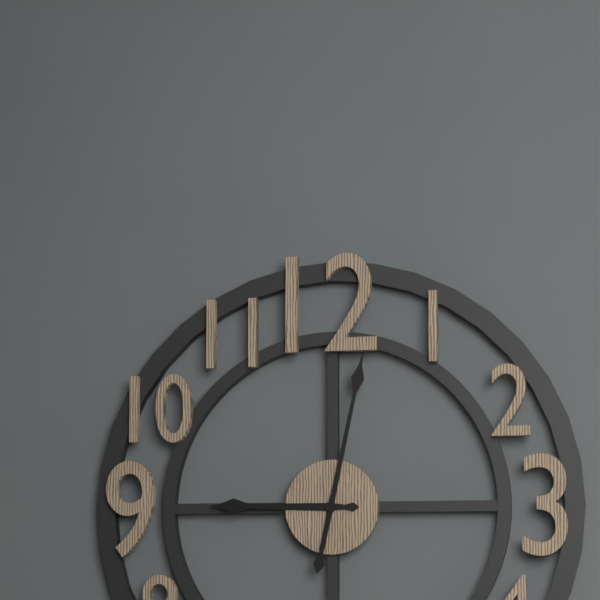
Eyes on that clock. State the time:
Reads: 9:02
